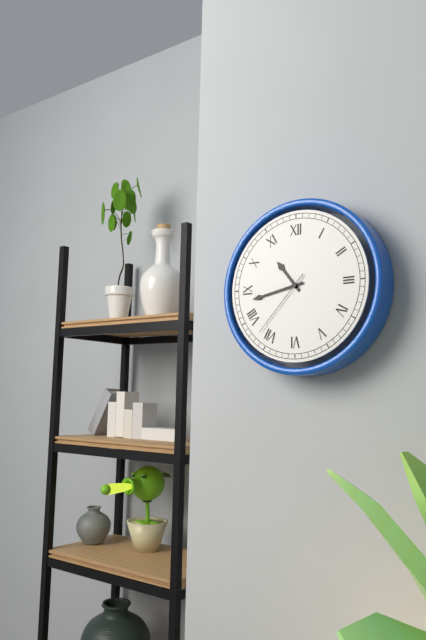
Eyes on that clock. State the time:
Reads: 10:43:37
